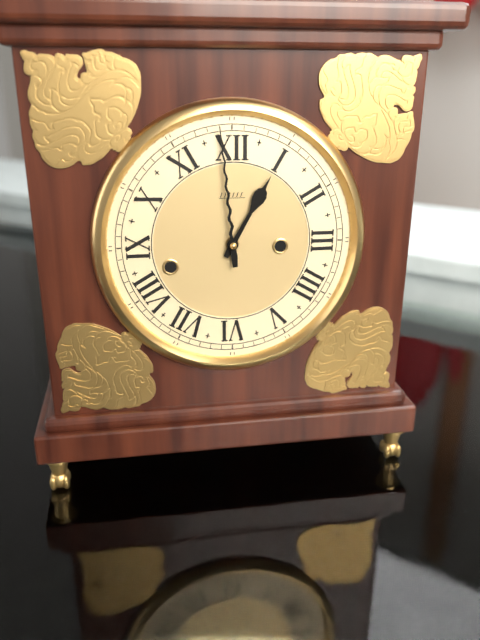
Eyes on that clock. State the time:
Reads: 12:59
